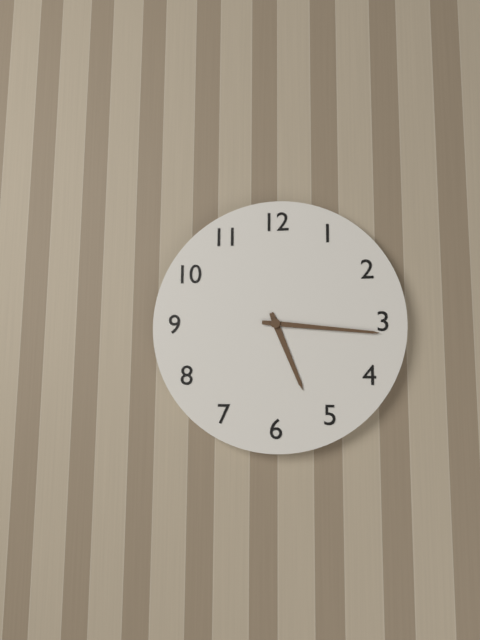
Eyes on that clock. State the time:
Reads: 5:16
